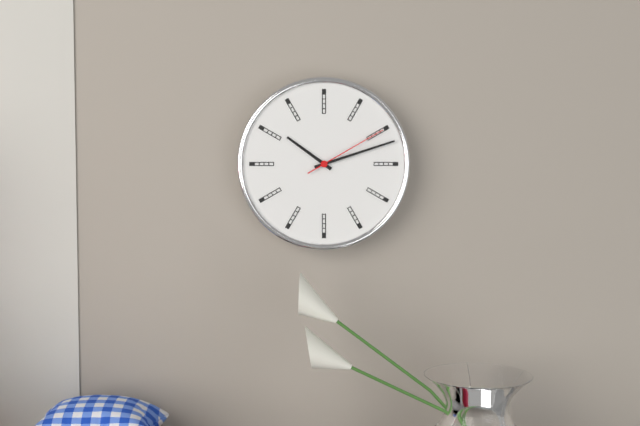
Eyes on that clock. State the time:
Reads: 10:12:10
